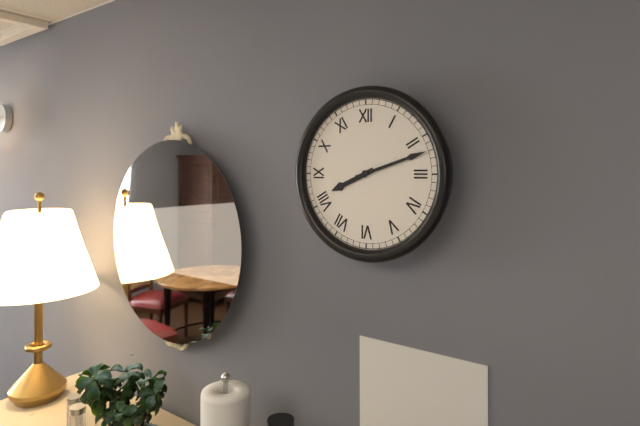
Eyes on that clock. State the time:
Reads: 8:12
